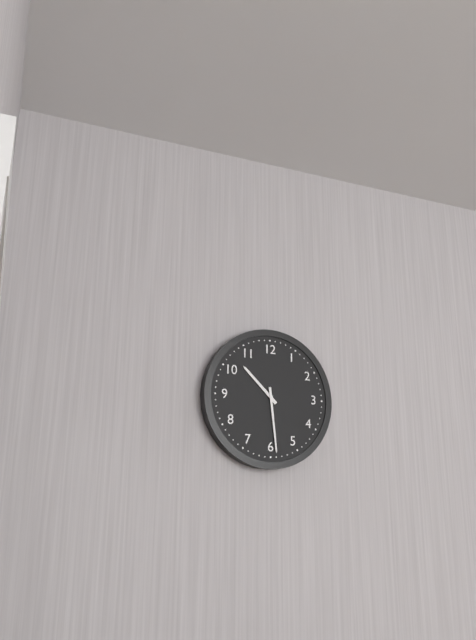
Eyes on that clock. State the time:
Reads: 10:29
